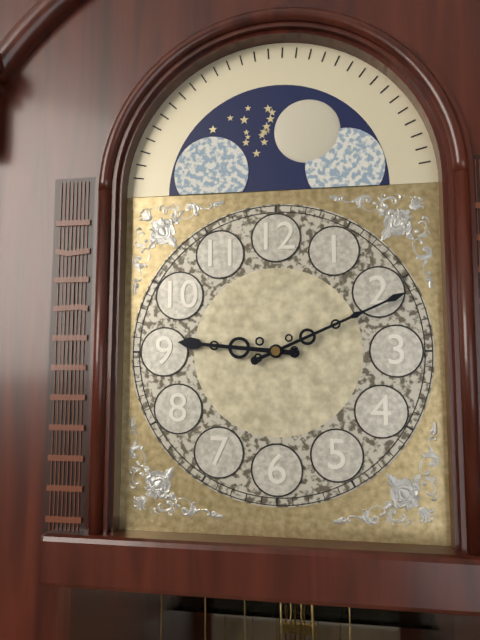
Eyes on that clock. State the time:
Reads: 9:11
